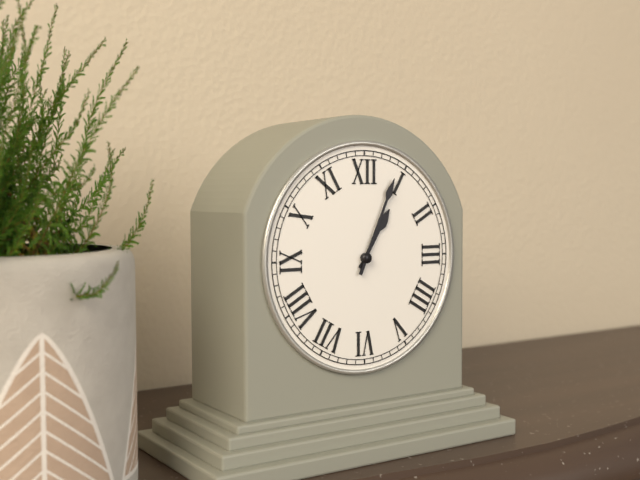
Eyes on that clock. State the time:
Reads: 1:04
